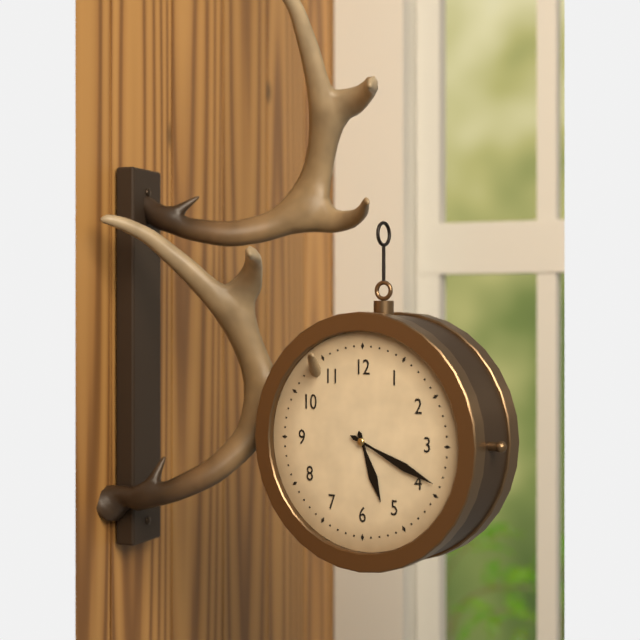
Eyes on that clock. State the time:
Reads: 5:19
